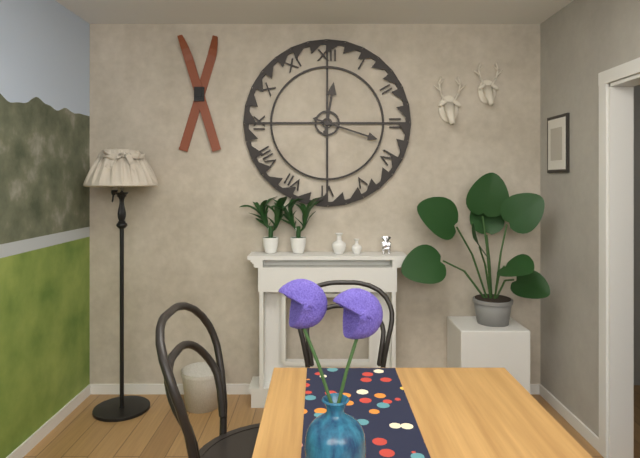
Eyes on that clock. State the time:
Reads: 12:18
